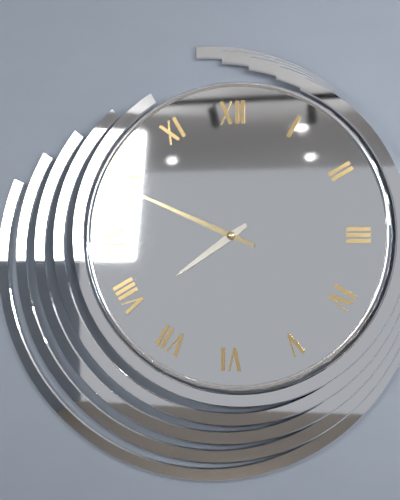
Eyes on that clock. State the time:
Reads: 7:49
